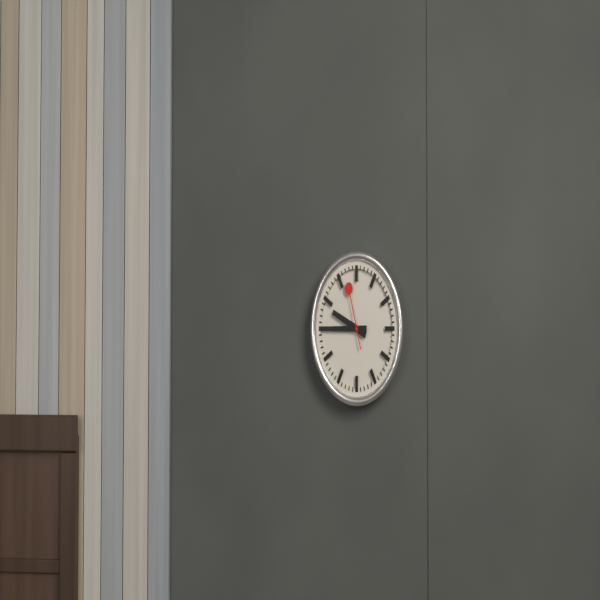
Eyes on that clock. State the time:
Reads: 9:45:57
